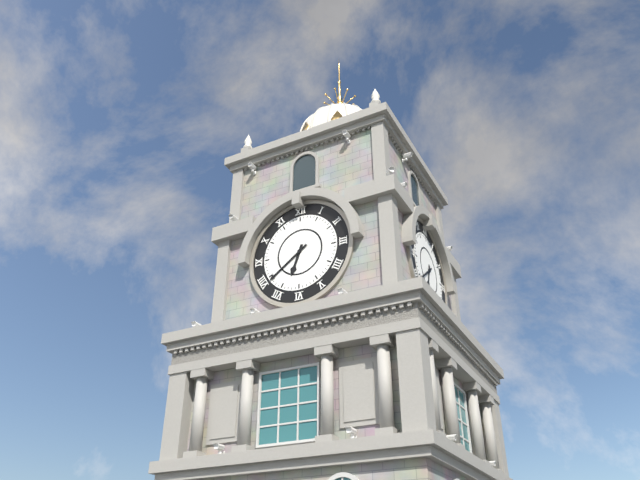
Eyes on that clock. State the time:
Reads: 6:39
